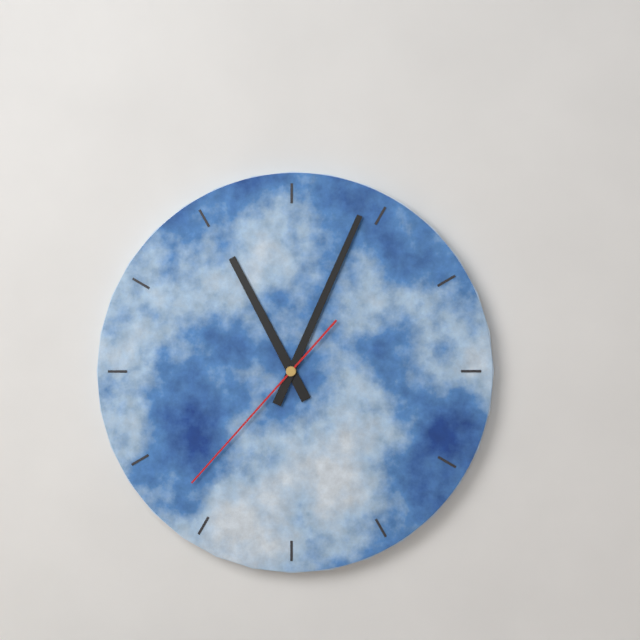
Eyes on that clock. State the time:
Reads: 11:04:37
